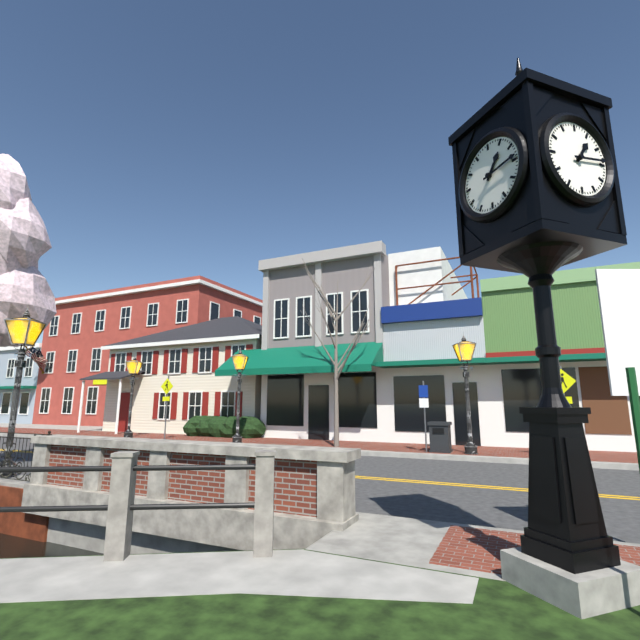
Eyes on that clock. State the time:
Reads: 1:14
